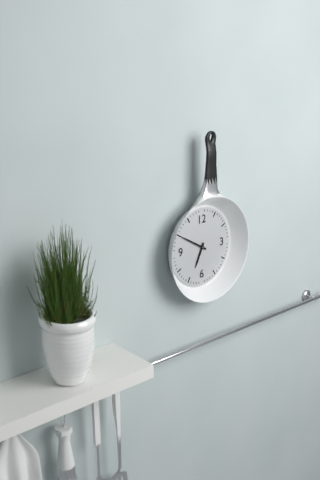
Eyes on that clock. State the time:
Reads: 6:50
